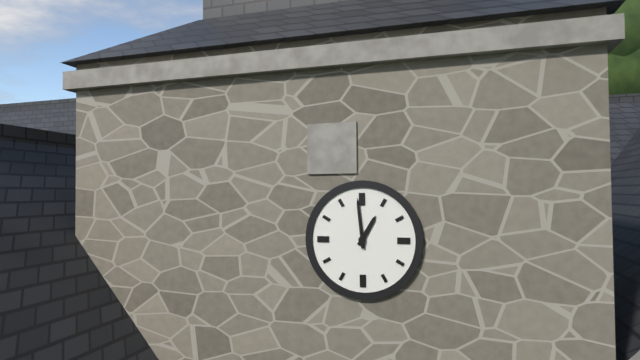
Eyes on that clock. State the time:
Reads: 12:59
